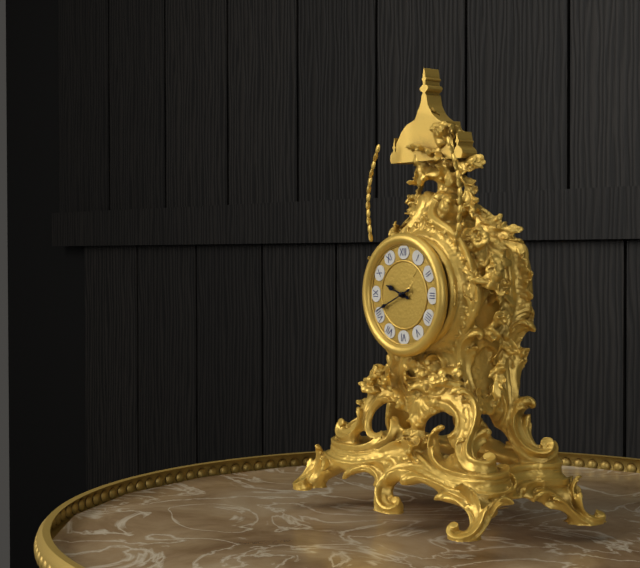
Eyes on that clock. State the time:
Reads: 9:41
